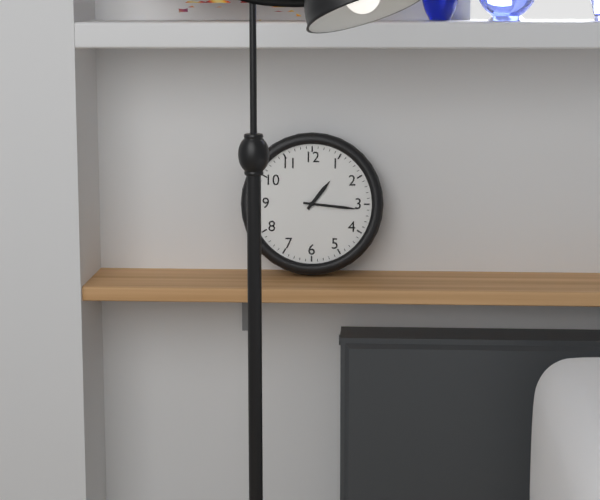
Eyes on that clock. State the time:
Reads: 1:16
